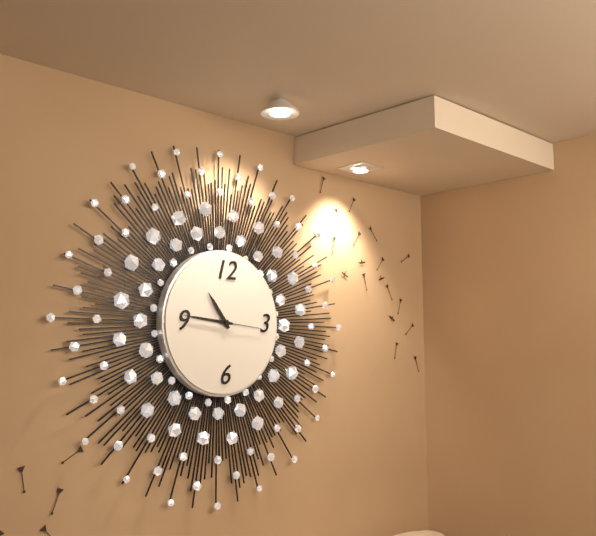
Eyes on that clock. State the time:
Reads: 10:46
